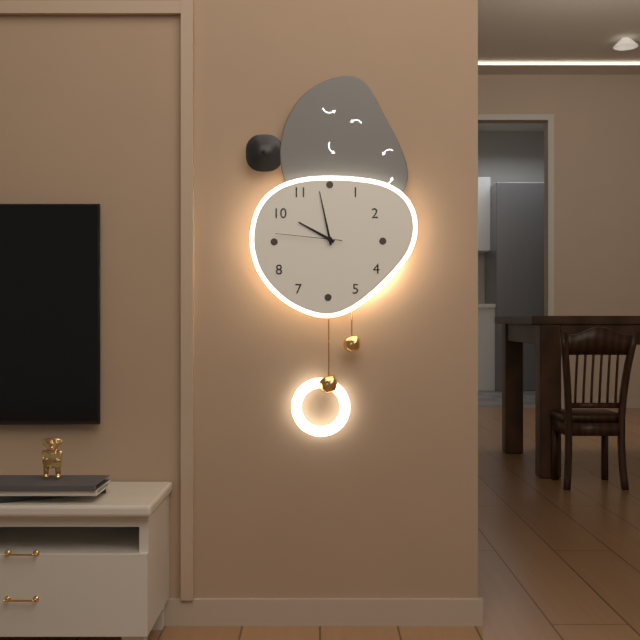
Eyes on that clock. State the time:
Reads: 9:58:46
